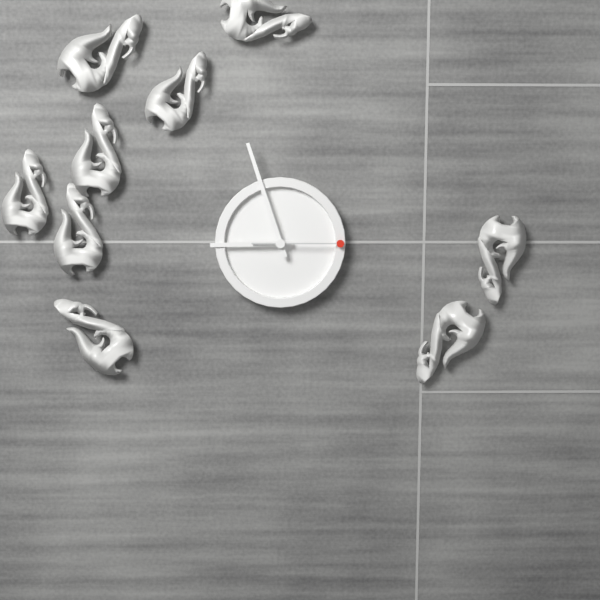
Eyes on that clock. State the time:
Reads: 8:57:15
